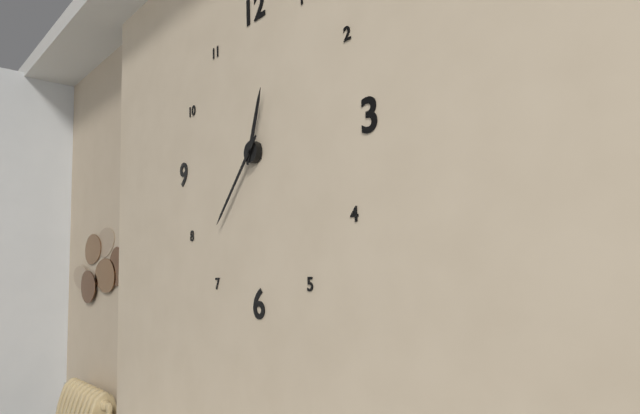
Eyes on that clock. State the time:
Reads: 12:37
